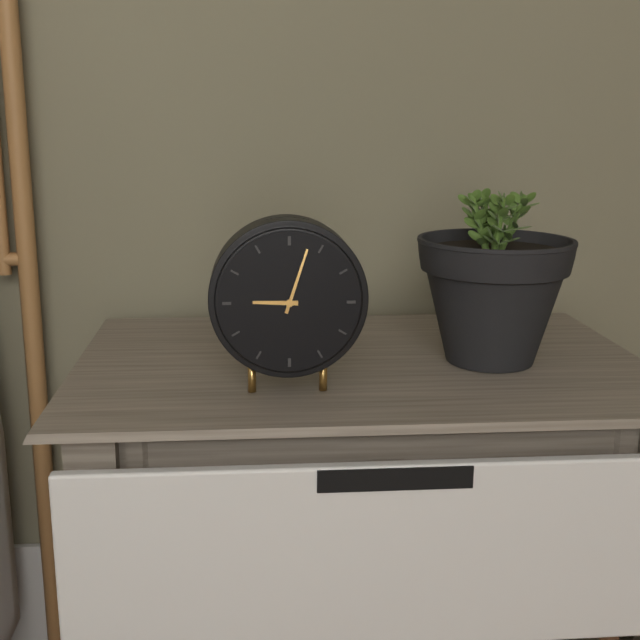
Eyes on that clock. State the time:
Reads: 9:03
